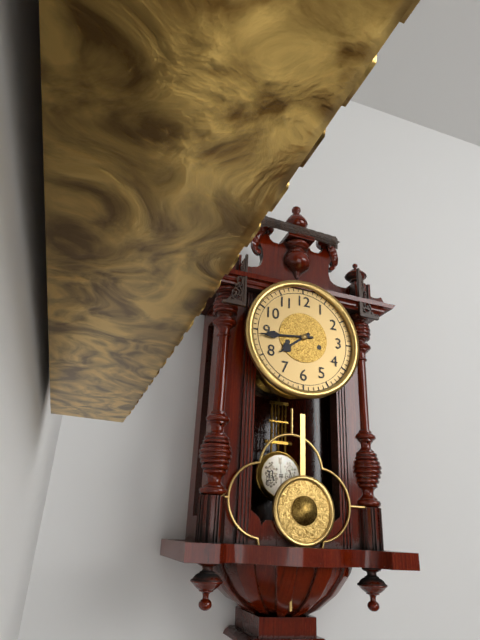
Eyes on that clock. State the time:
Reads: 7:44
